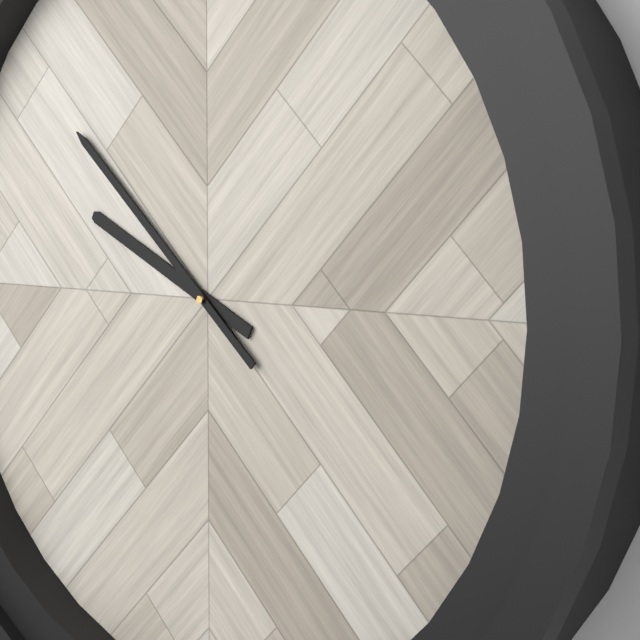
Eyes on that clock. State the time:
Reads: 9:52
